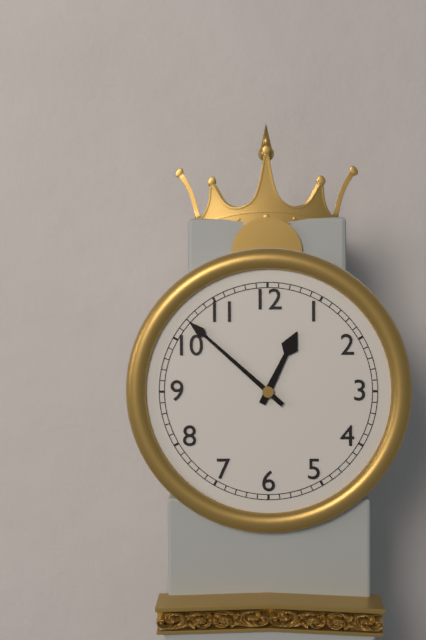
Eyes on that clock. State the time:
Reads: 12:52
